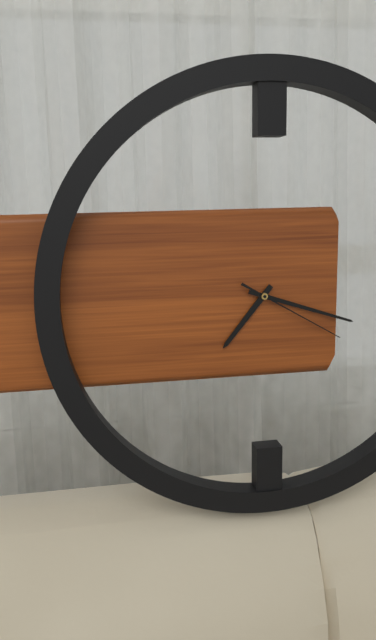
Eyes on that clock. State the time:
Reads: 7:18:20
